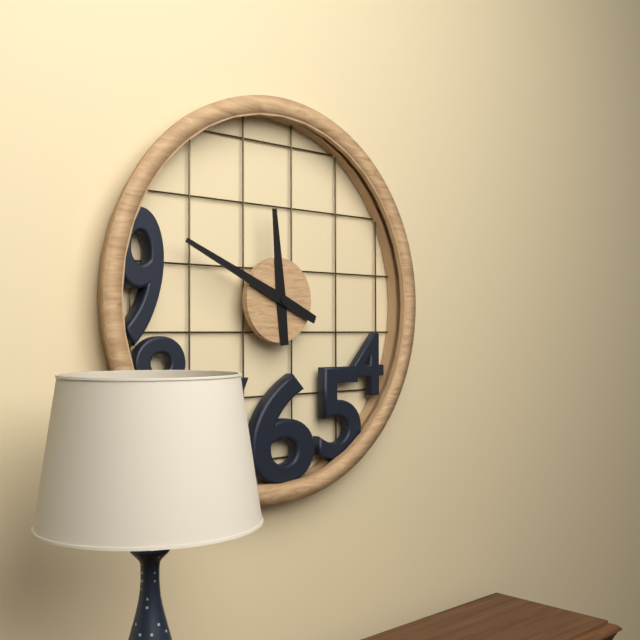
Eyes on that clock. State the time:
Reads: 11:49
